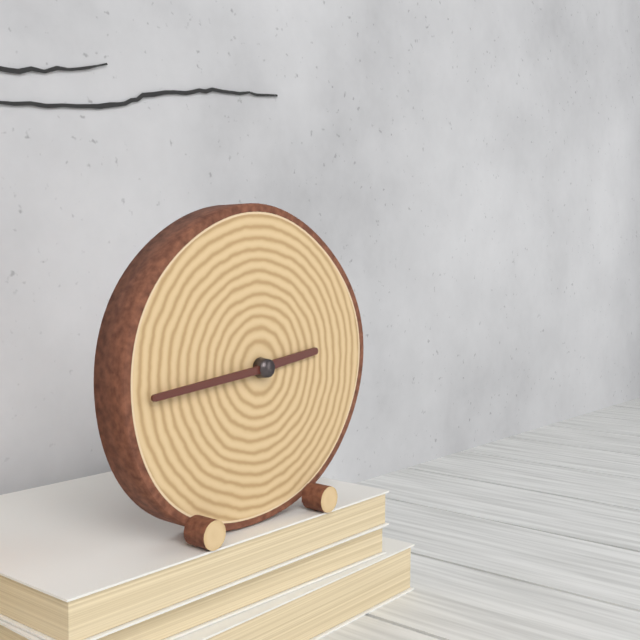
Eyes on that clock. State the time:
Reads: 2:44
